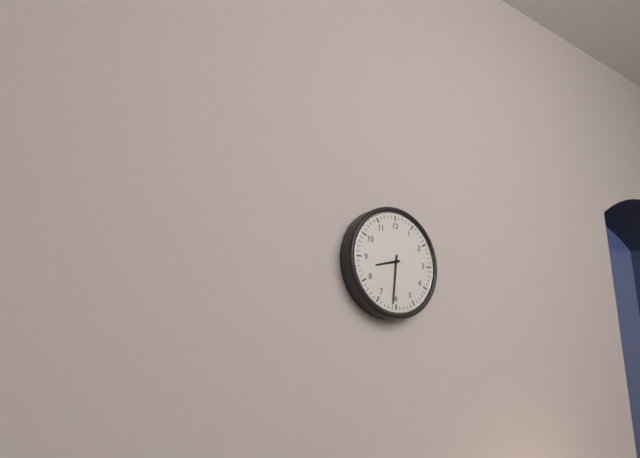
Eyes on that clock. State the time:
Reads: 8:31
